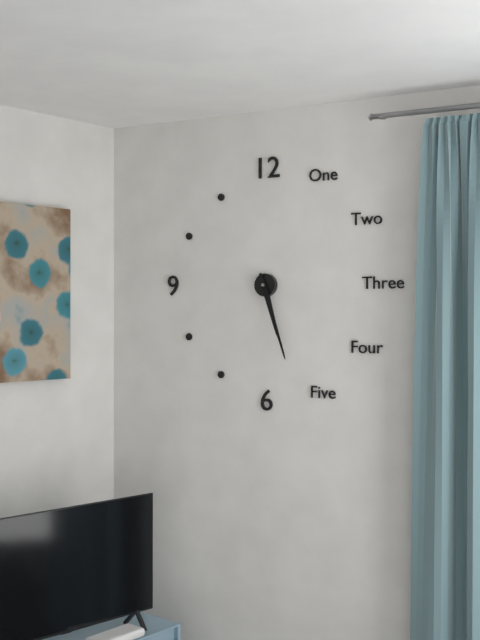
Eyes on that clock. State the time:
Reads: 5:27
